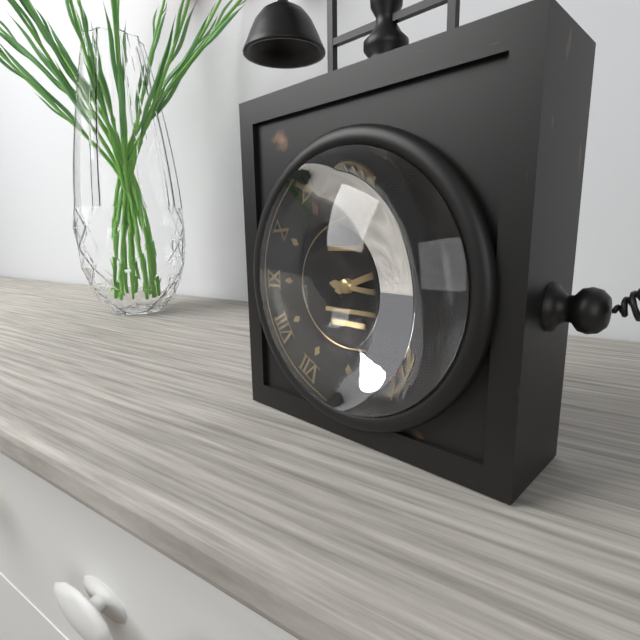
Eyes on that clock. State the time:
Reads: 2:16
